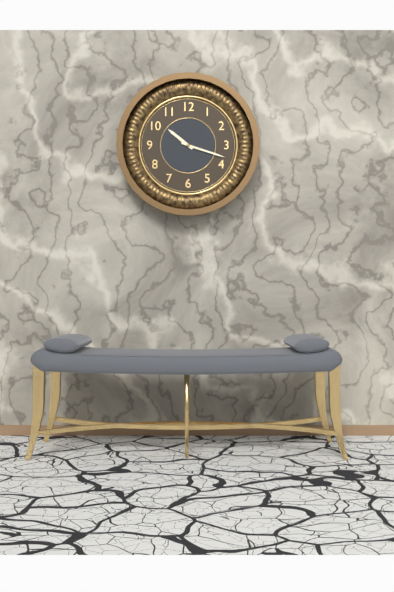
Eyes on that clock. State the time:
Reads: 10:18
